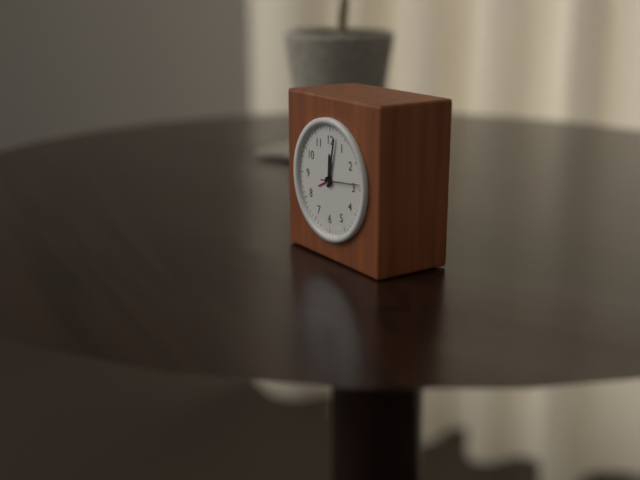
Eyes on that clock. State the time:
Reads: 12:02
